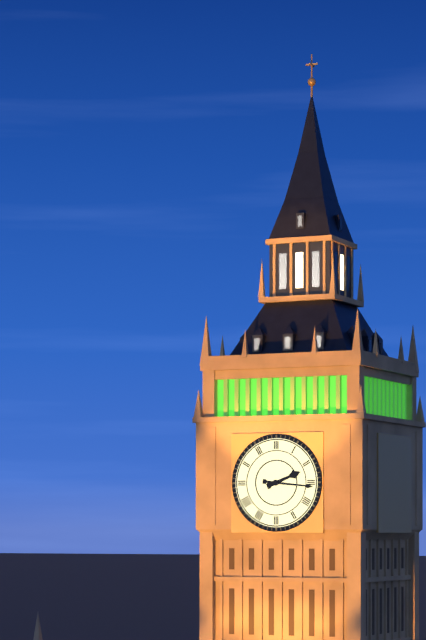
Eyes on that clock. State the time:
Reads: 2:16
